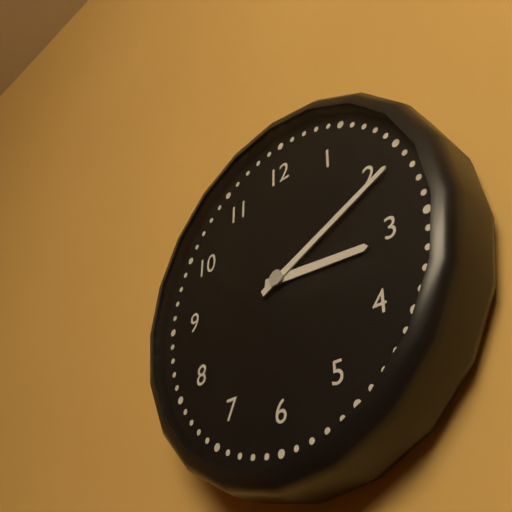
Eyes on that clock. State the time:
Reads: 3:11
